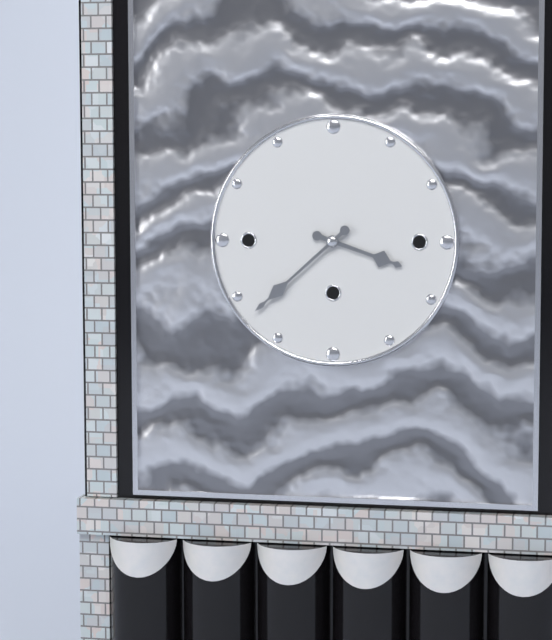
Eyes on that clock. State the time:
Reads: 3:38
